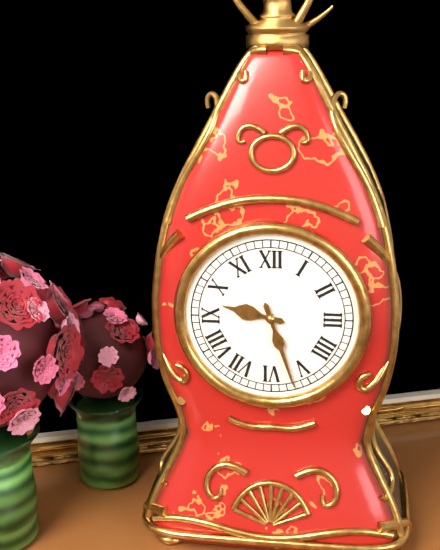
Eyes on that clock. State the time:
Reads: 9:27
